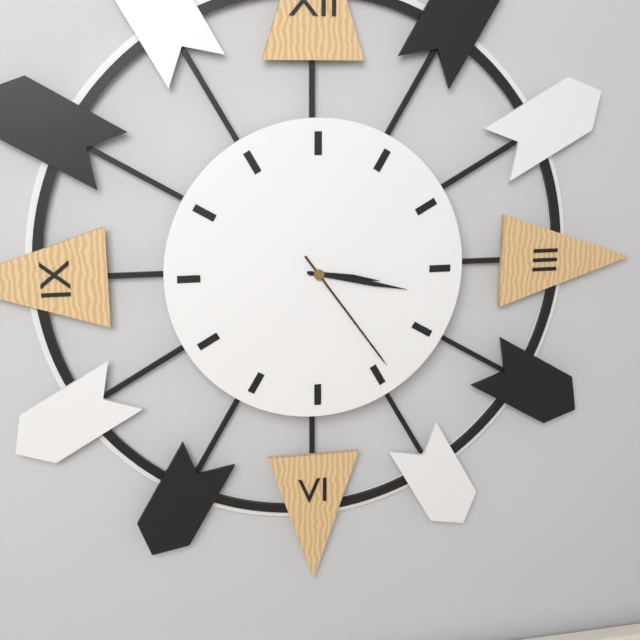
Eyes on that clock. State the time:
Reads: 3:17:24
